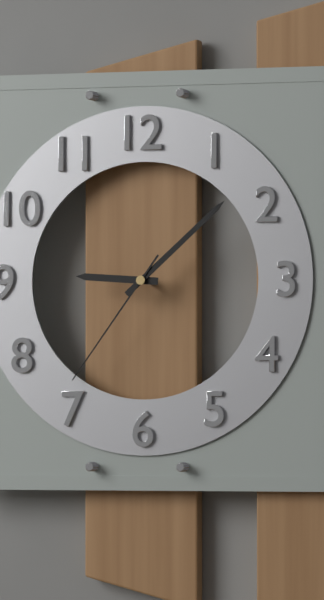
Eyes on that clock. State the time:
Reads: 9:08:36
